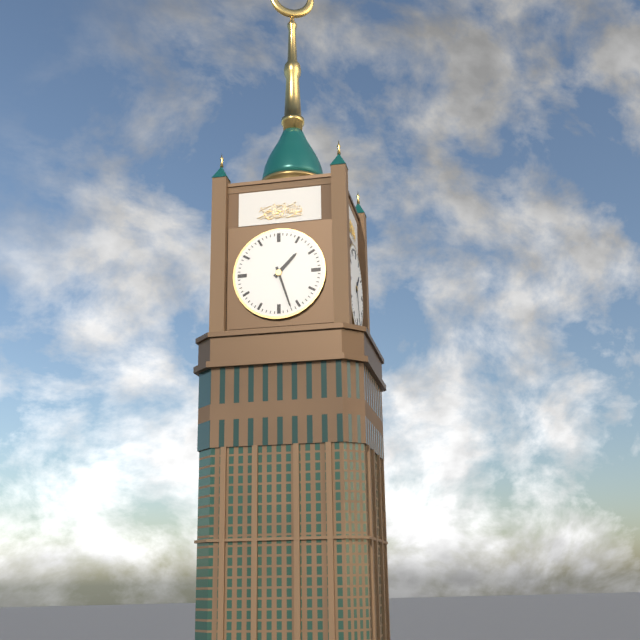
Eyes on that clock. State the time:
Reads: 1:27
